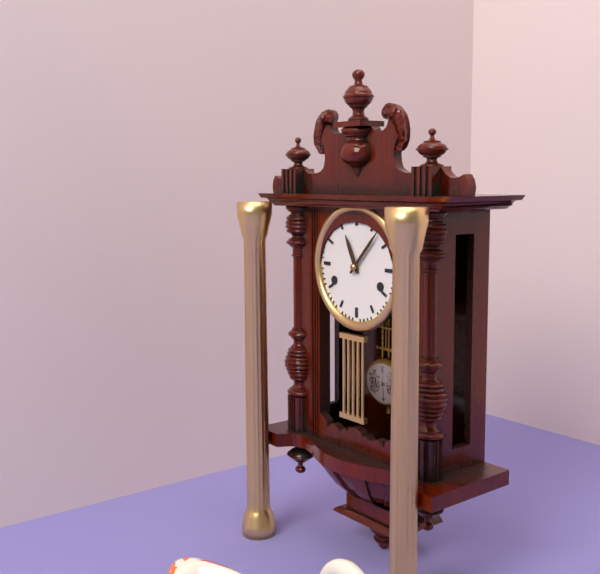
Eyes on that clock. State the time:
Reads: 11:07
